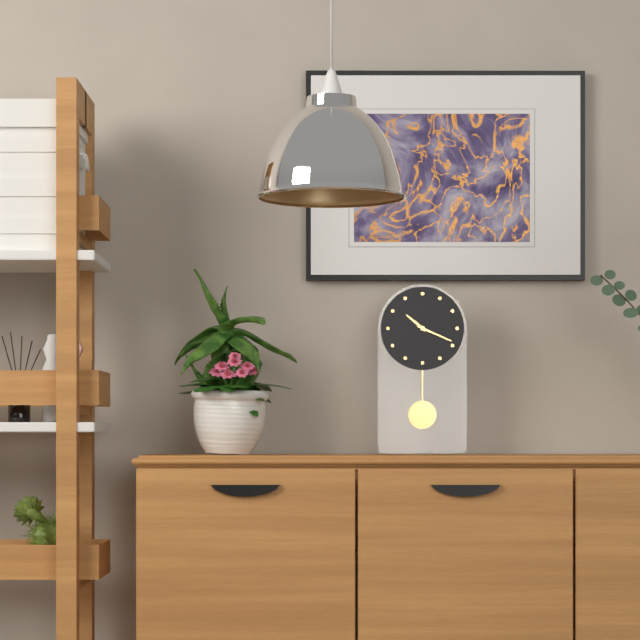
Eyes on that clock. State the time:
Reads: 10:19
